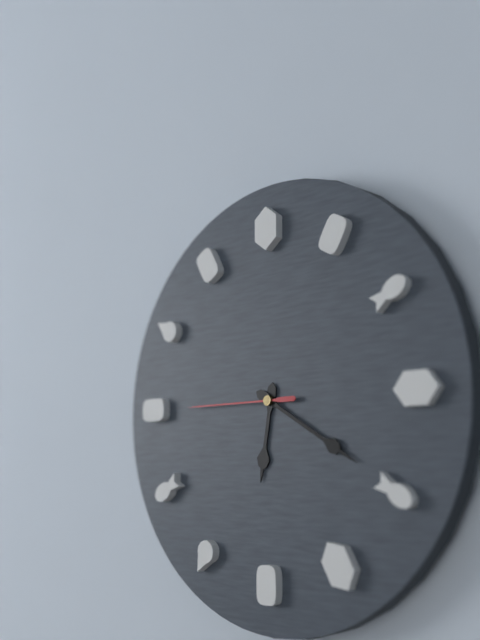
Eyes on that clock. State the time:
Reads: 6:20:45
